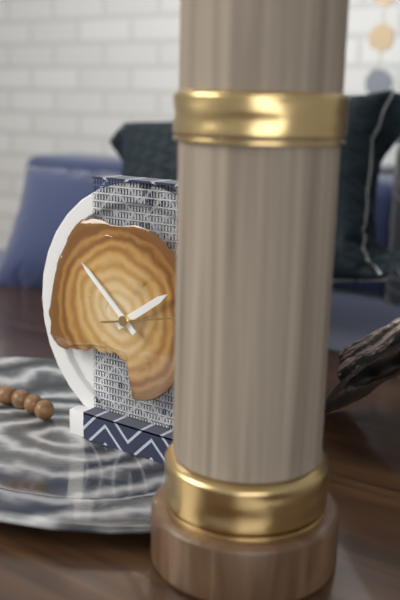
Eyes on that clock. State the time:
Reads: 1:52:13
